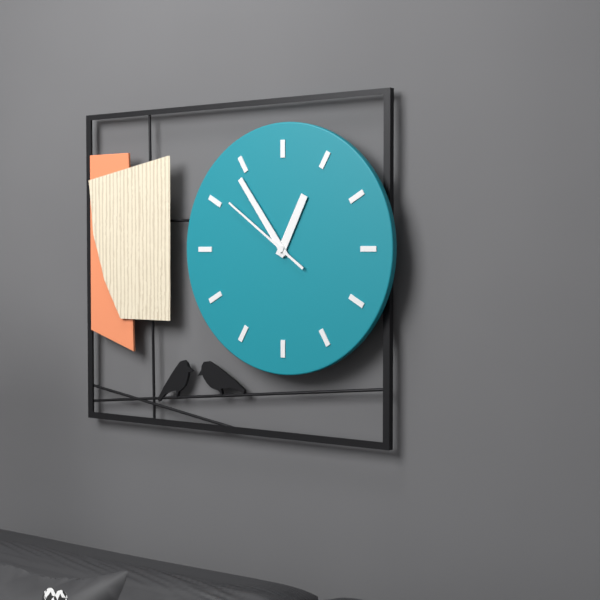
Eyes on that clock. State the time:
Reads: 12:54:51
